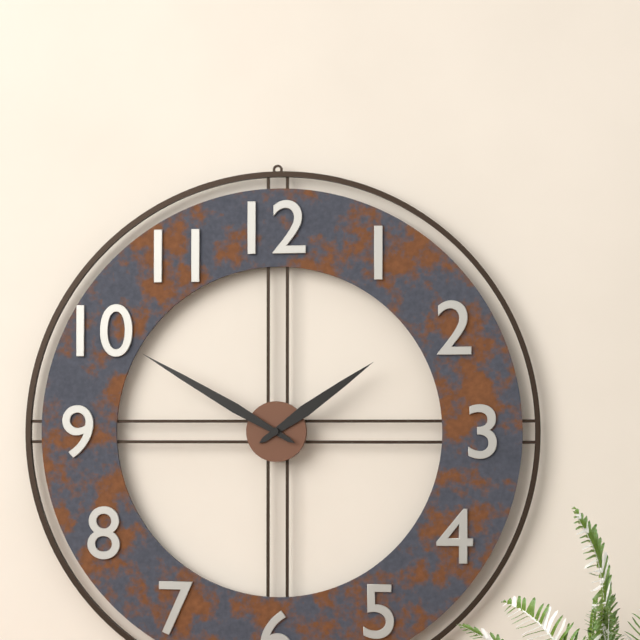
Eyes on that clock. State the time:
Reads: 1:50
